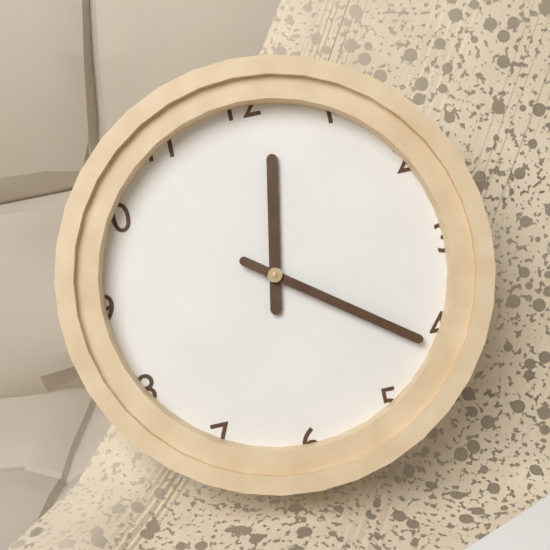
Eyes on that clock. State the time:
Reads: 12:21
